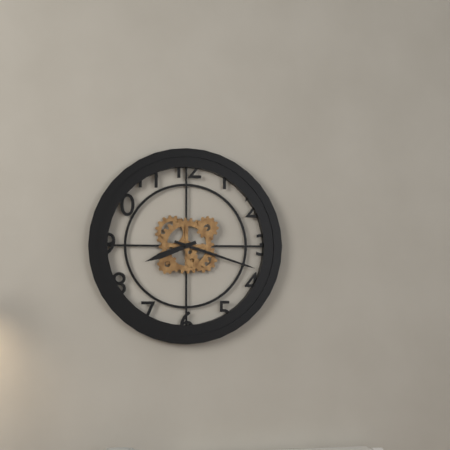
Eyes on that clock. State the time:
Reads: 8:18
